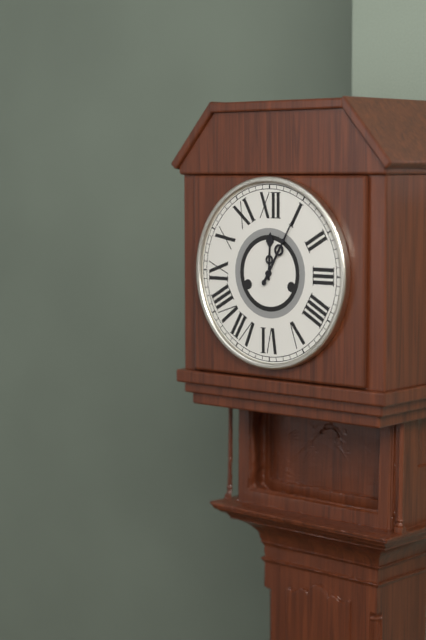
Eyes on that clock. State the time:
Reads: 12:05
